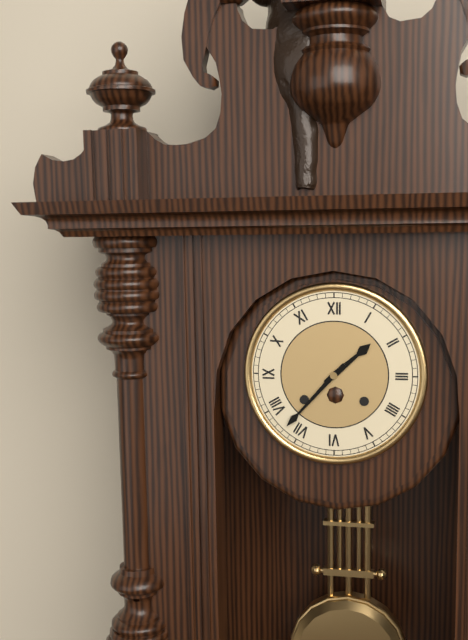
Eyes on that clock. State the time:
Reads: 1:37
